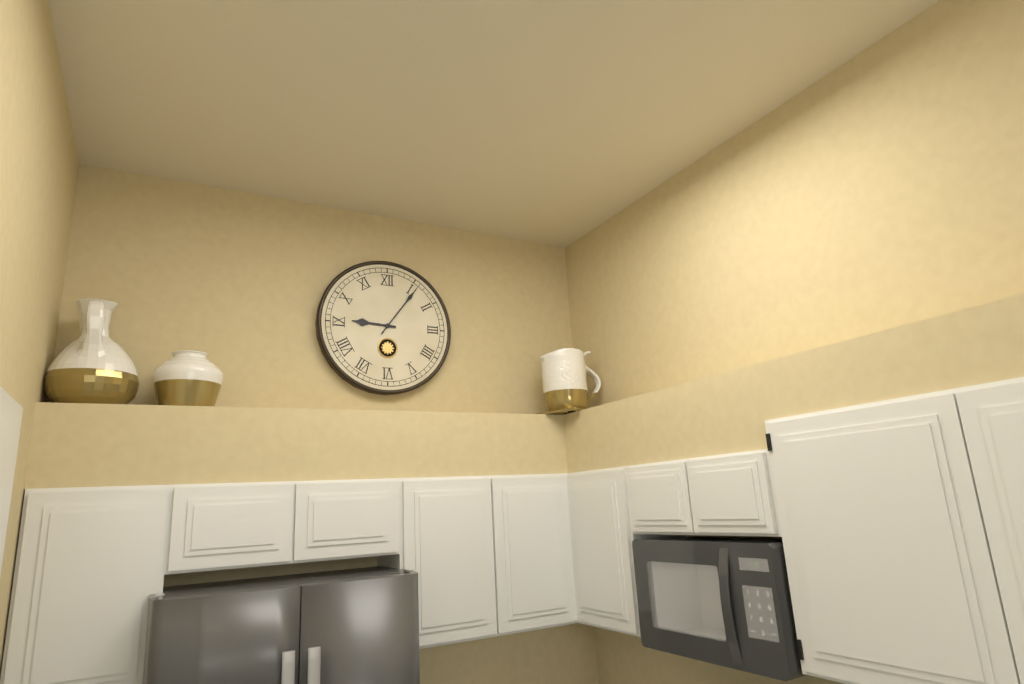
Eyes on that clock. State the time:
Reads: 9:06
